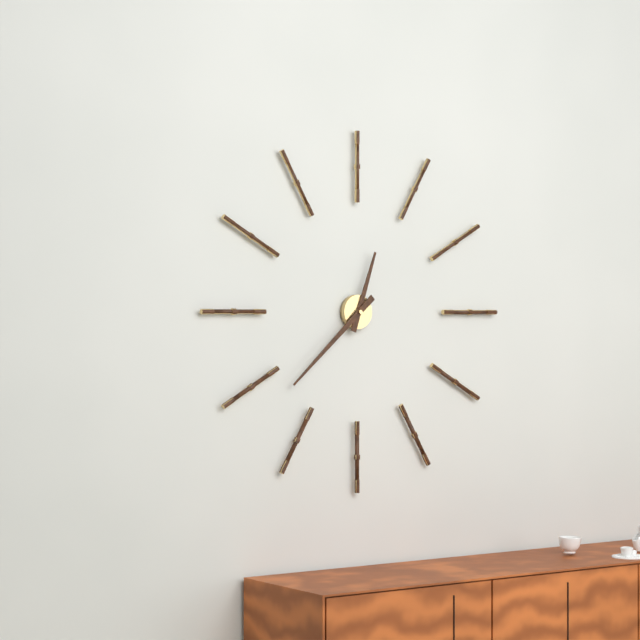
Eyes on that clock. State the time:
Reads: 12:38
